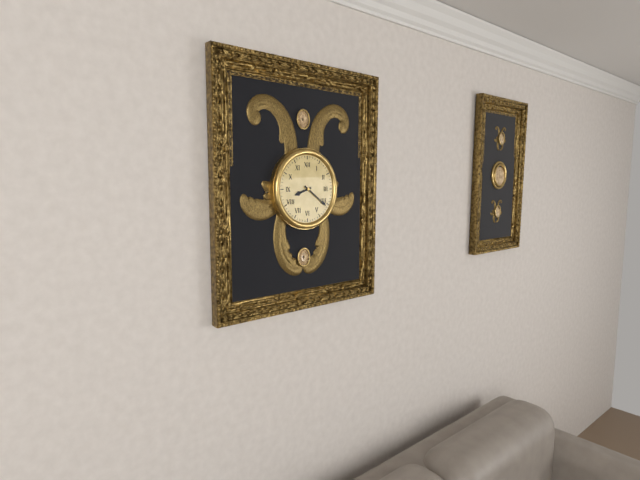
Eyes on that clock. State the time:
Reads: 8:21
